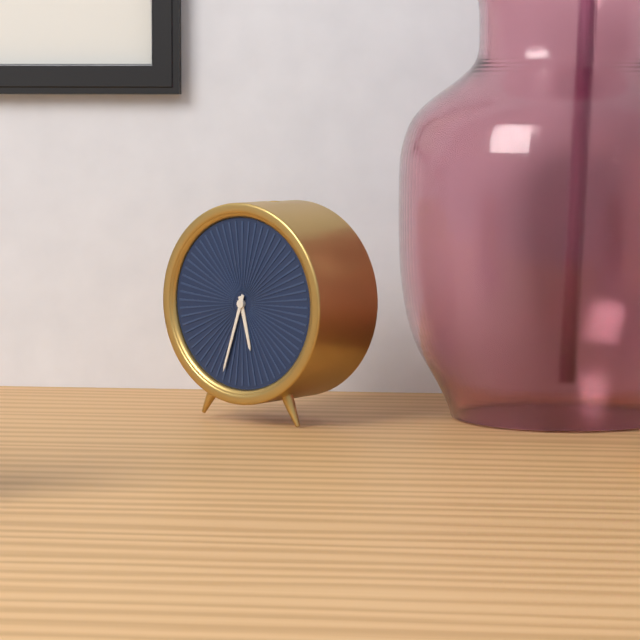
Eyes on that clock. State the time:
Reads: 5:33
